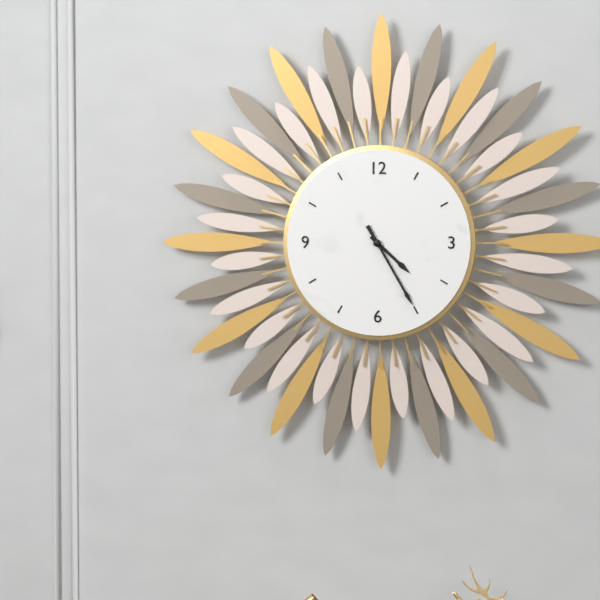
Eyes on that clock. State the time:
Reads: 4:25
